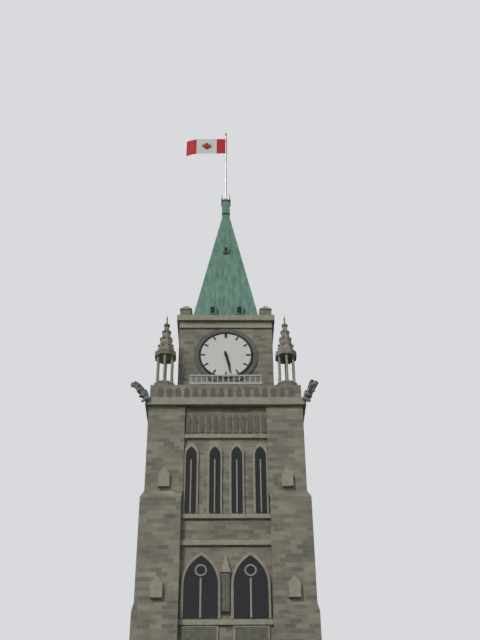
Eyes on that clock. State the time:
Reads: 5:28
